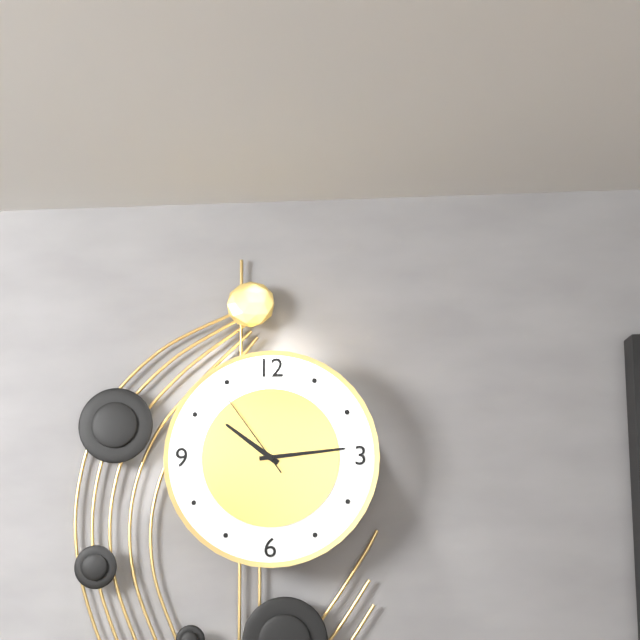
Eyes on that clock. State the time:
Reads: 10:14:54
